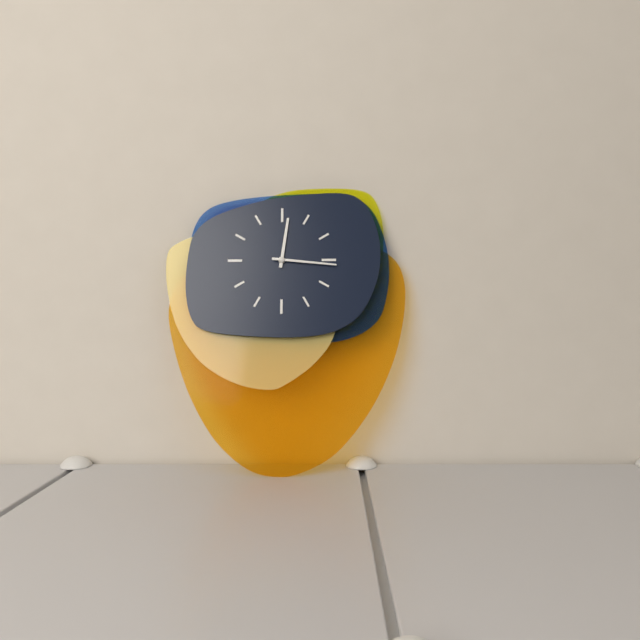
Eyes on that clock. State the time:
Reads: 12:16
